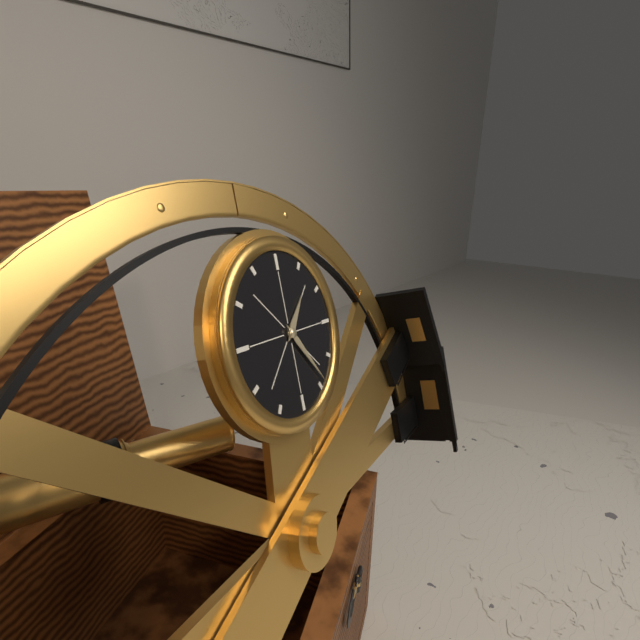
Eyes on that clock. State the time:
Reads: 1:24
